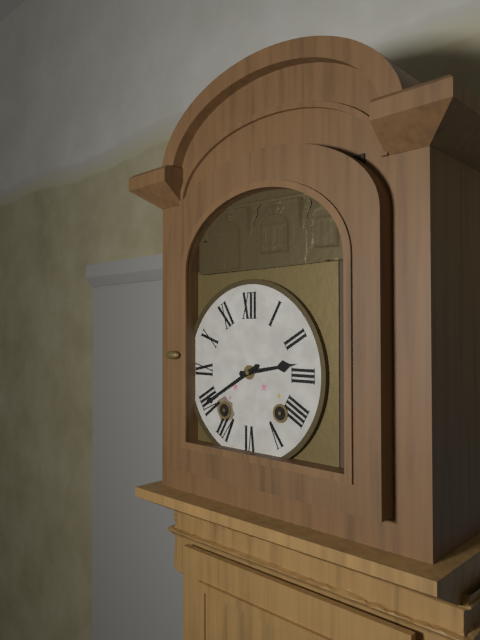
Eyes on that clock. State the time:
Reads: 2:40
